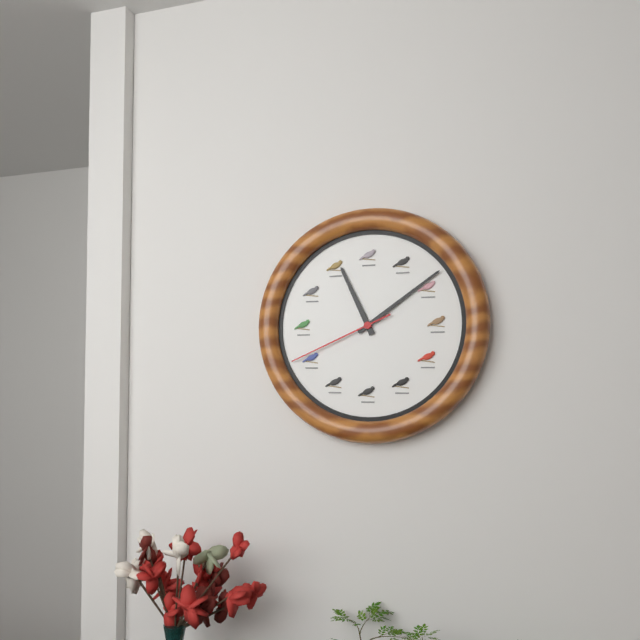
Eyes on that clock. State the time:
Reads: 11:09:41
